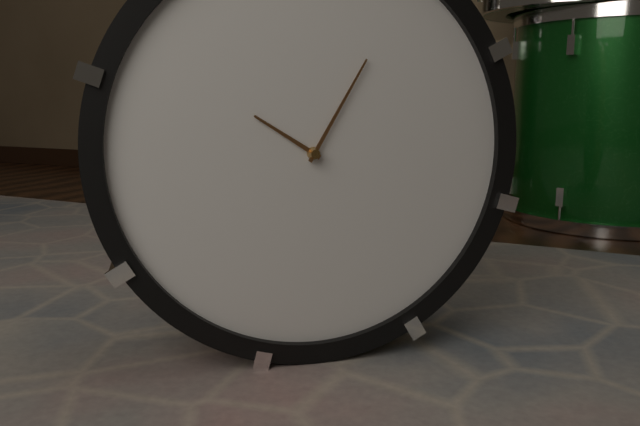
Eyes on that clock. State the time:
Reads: 10:05
